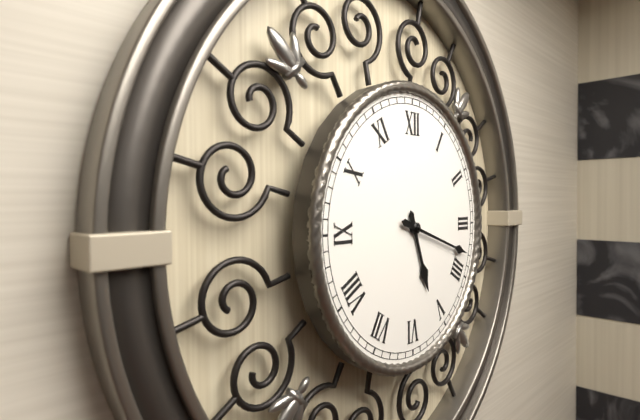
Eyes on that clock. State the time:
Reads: 5:18
